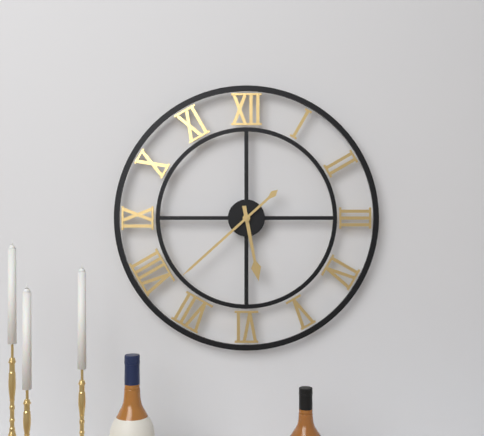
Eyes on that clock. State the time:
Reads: 5:38
